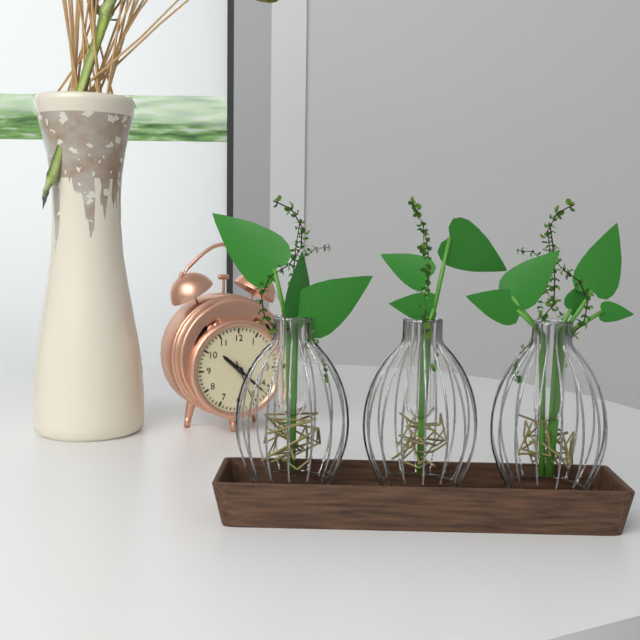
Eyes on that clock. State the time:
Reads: 10:22
